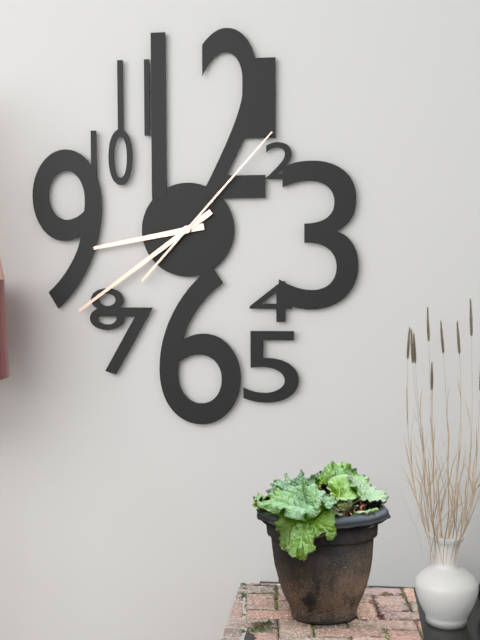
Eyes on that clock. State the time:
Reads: 8:39:07
